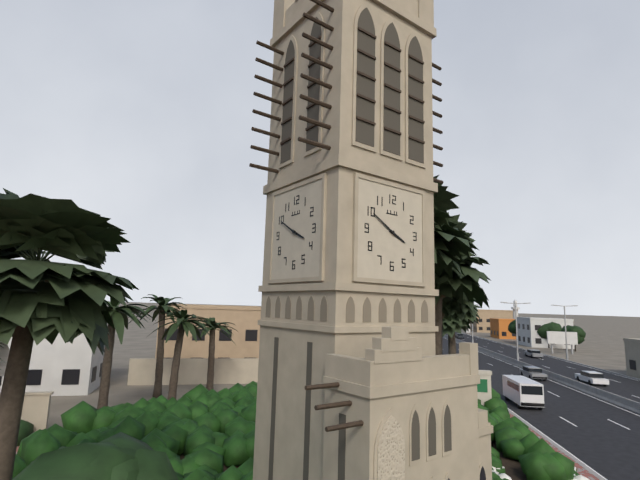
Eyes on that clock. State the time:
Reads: 3:50
